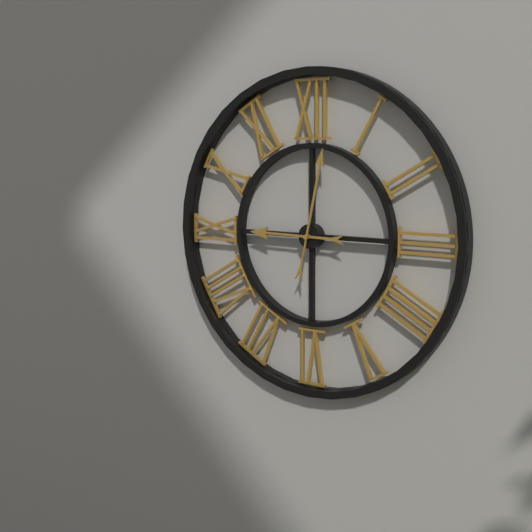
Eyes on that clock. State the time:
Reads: 9:02
